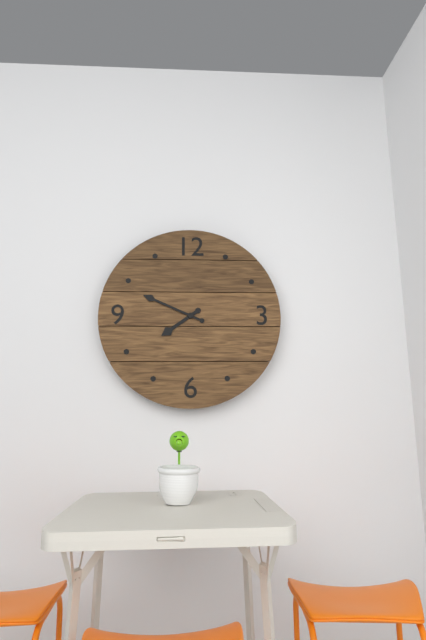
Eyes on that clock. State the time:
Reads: 7:49
